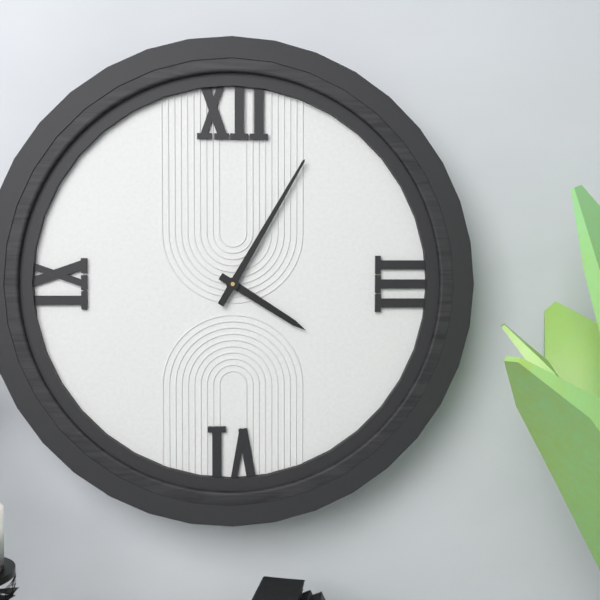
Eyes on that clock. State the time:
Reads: 4:05
